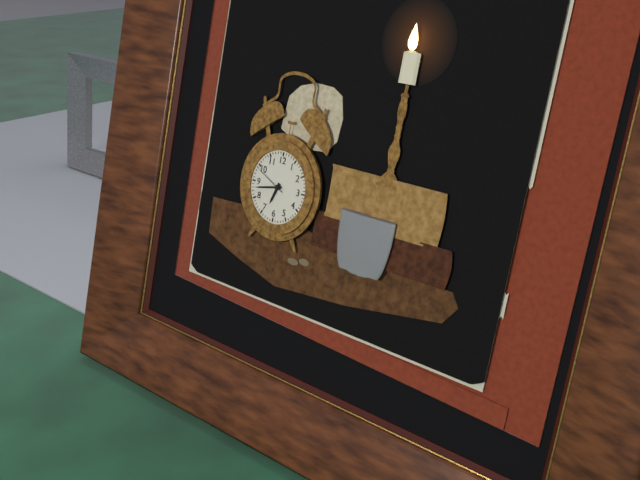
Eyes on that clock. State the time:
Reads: 6:43
